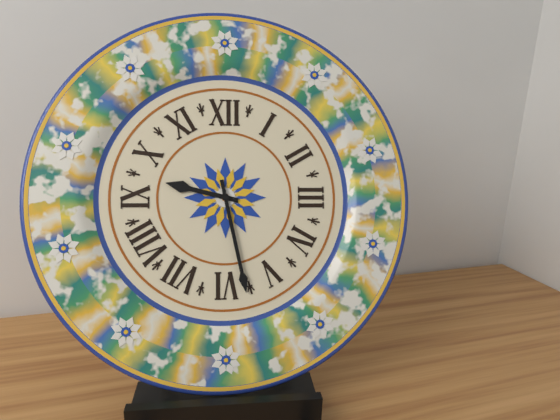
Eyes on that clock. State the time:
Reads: 9:28
